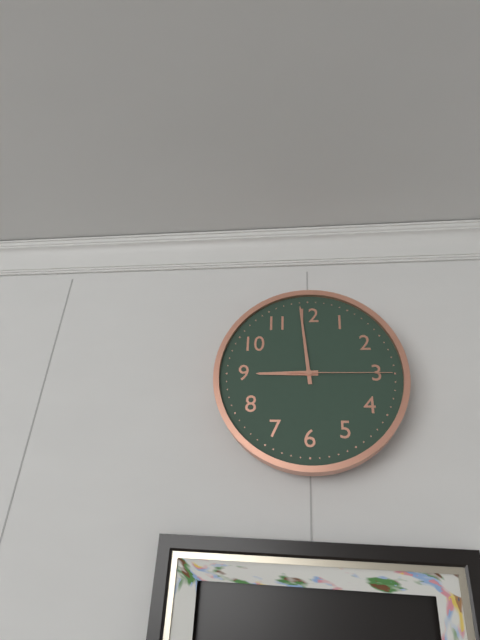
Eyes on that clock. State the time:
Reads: 8:59:15
